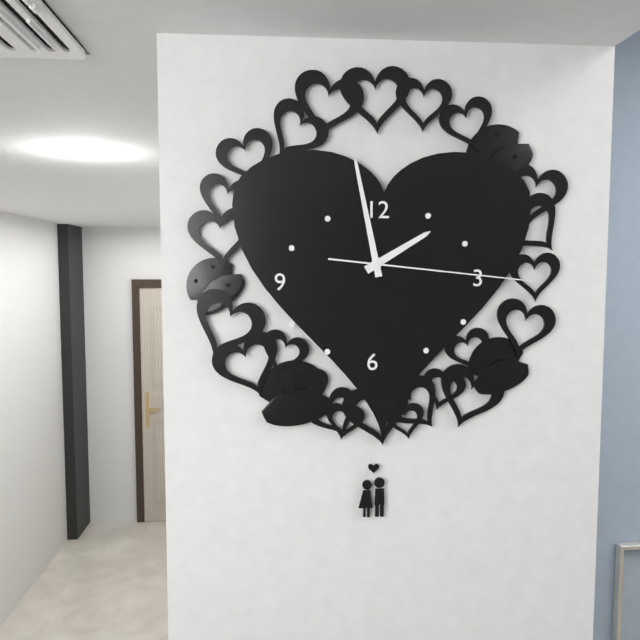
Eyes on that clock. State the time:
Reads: 1:58:16
